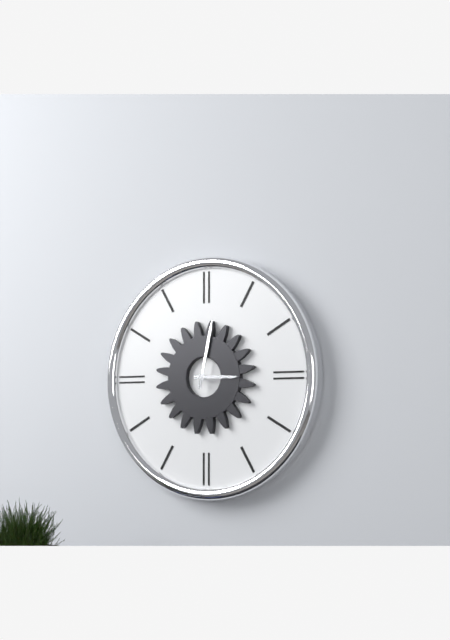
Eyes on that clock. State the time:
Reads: 3:02
